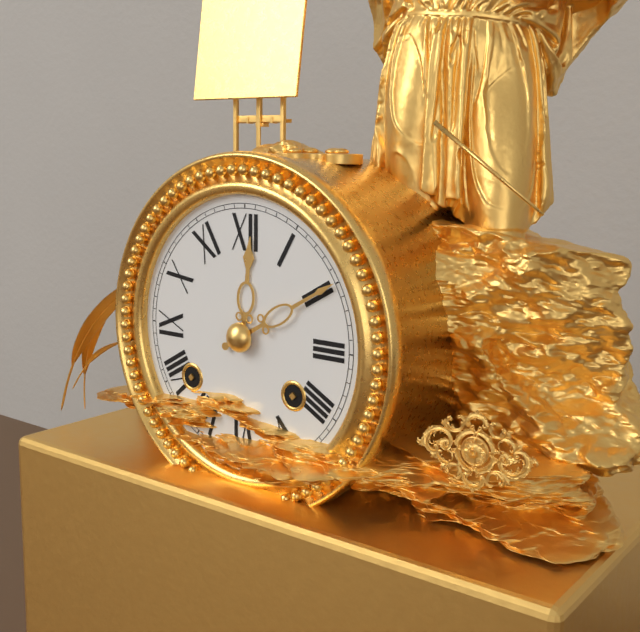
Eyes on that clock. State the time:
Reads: 12:10
